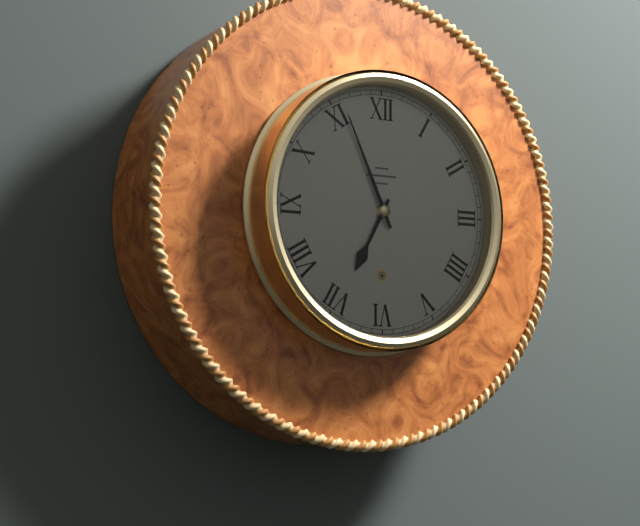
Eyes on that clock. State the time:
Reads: 6:56
